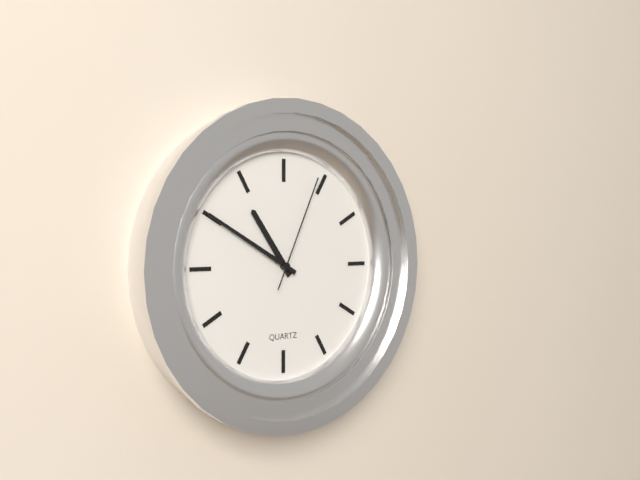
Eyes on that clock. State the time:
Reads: 10:50:04
